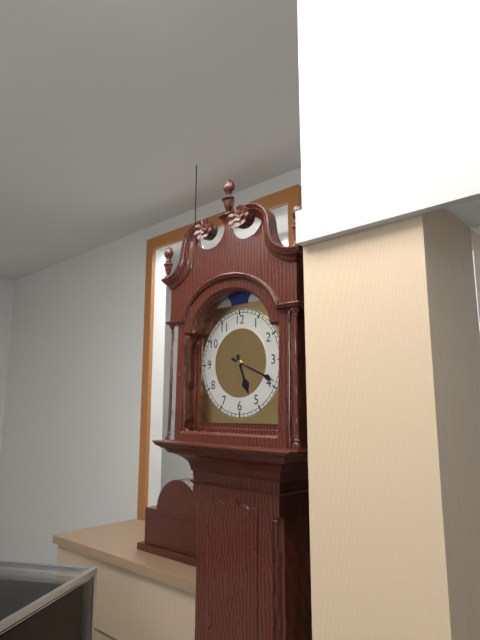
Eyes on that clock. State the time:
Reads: 5:19
